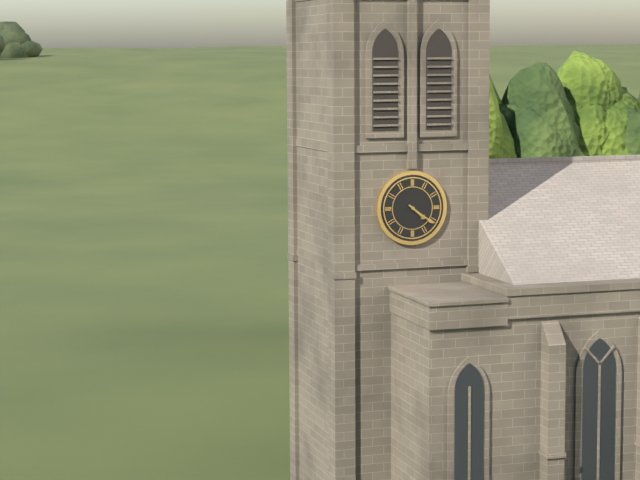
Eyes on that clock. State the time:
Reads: 4:21
